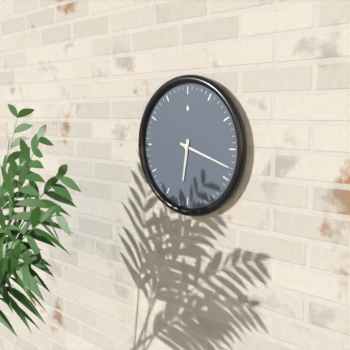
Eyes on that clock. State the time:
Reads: 6:18
